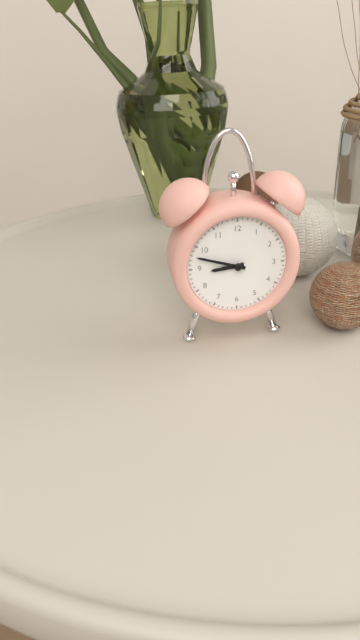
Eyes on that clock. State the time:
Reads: 8:48
